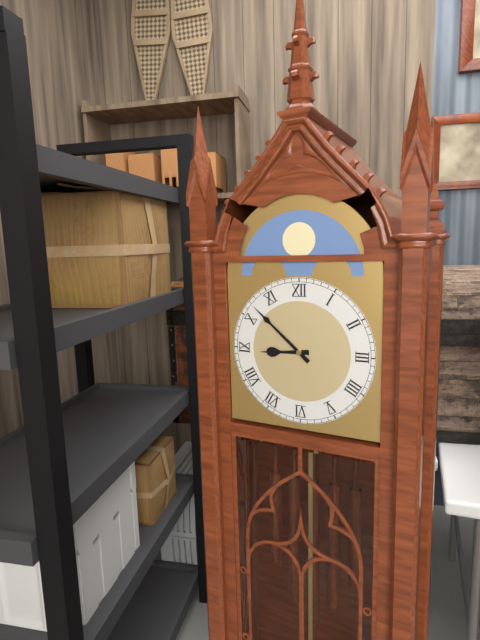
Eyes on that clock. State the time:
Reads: 8:52
